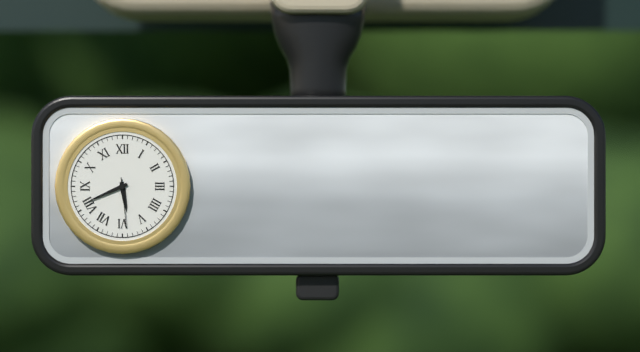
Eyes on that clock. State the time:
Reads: 5:41:29
